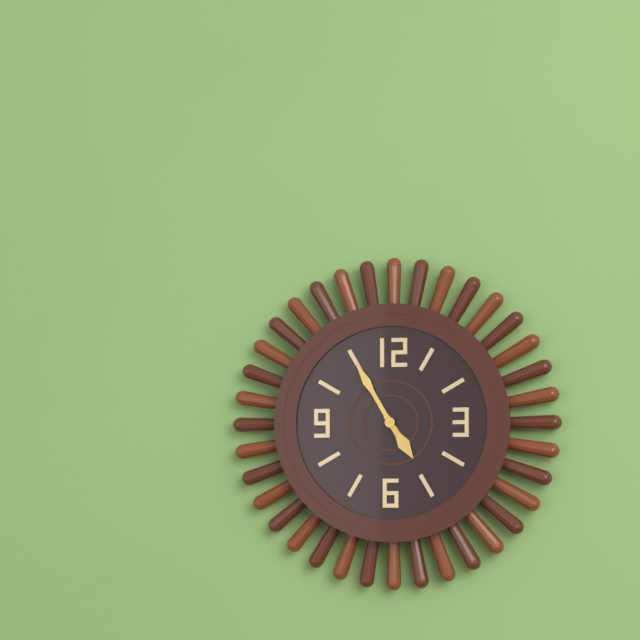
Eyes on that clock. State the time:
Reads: 4:55
